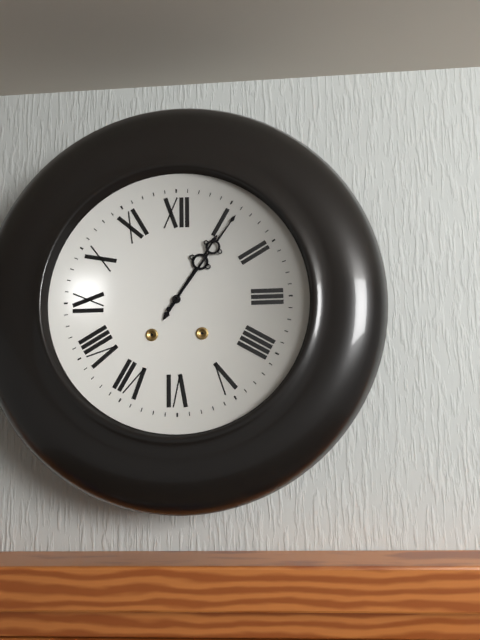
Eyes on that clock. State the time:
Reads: 1:06
